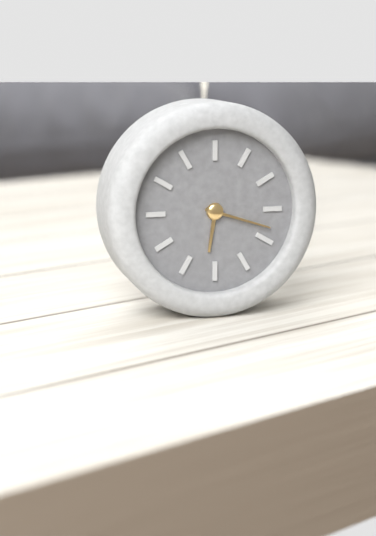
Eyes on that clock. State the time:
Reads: 6:18
